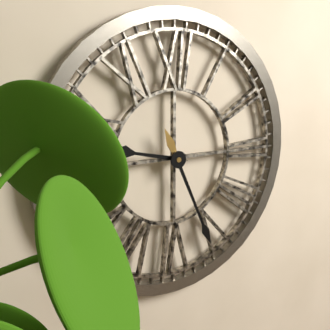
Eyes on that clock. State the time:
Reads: 9:26
